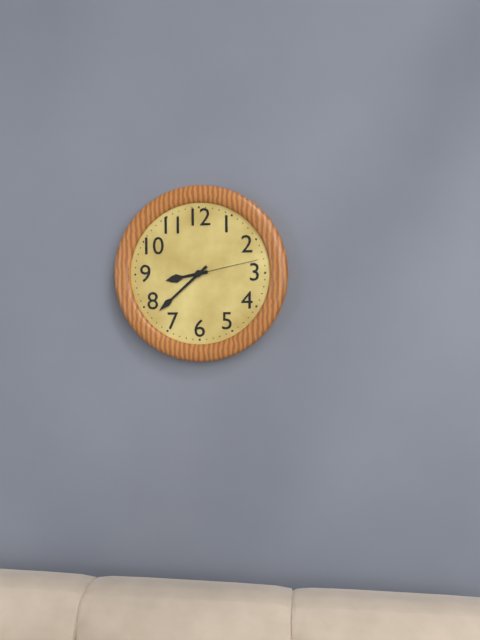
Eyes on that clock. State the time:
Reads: 8:38:13
